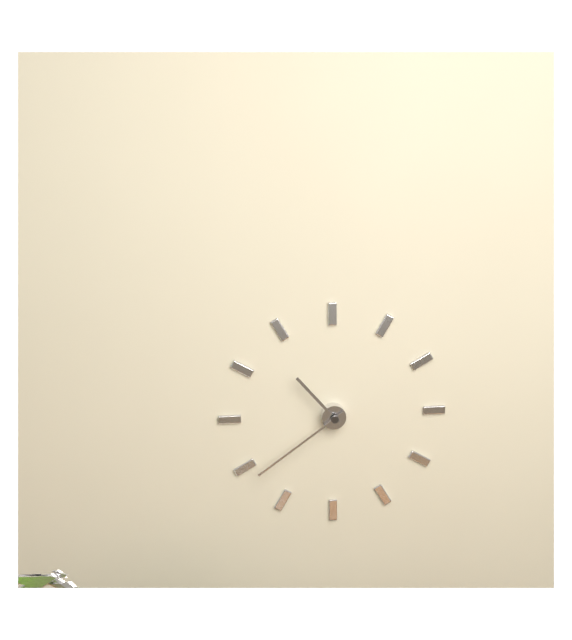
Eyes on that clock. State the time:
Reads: 10:39
